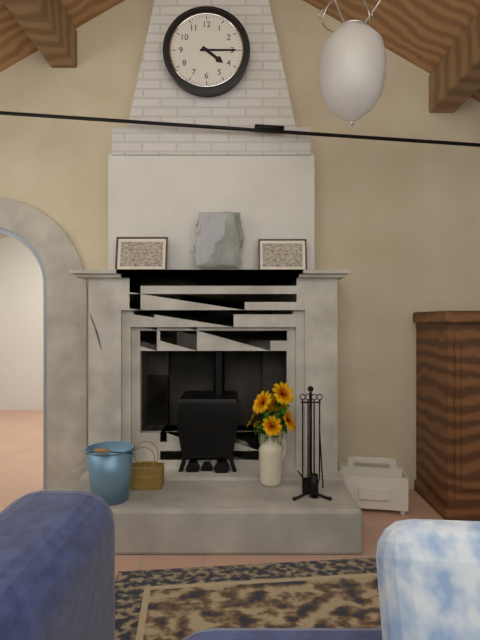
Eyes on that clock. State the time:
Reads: 4:15
